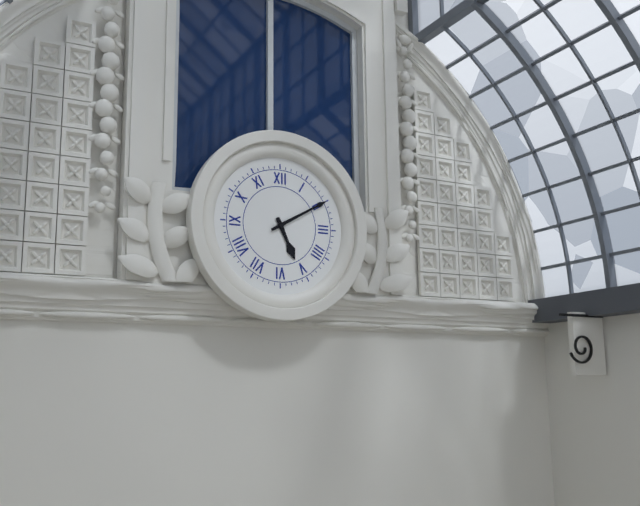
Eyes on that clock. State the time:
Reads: 5:10
